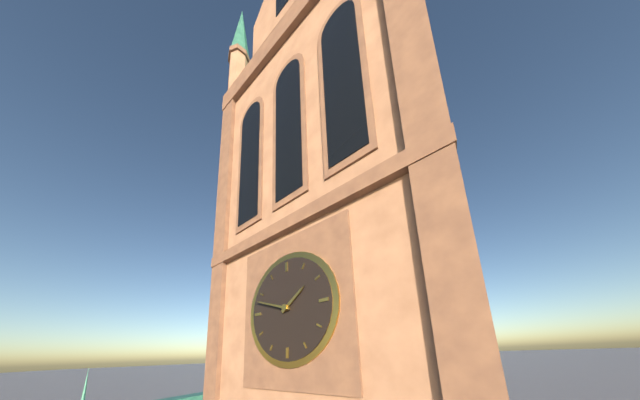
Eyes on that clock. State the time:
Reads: 1:48
